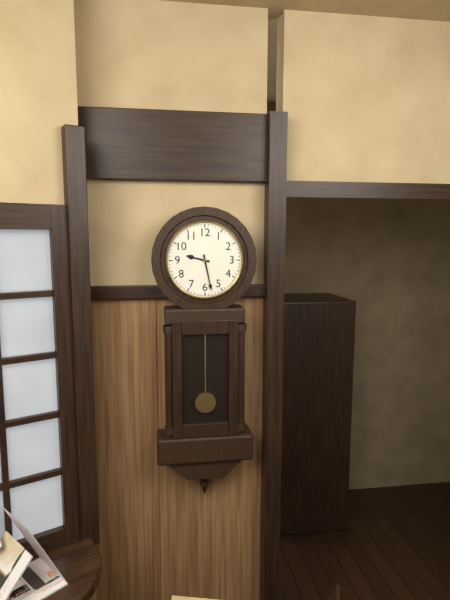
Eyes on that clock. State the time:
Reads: 9:28
